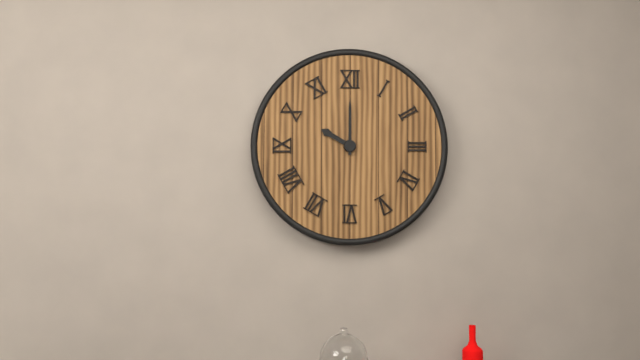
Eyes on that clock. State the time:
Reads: 10:00
